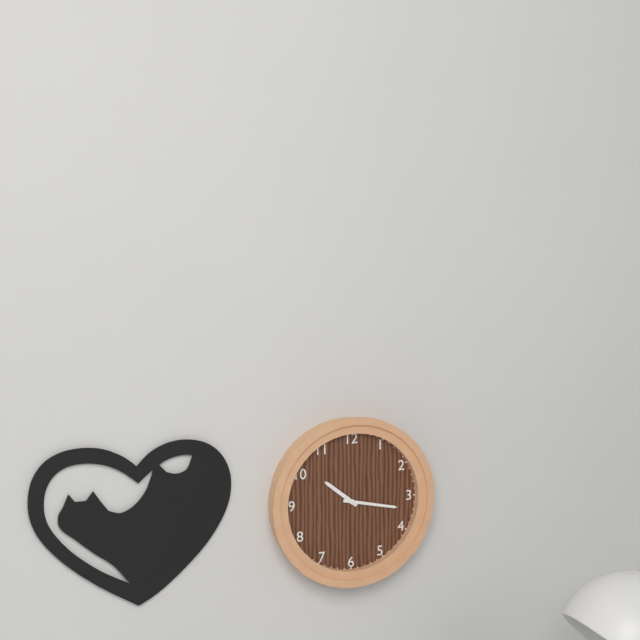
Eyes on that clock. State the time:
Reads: 10:17
